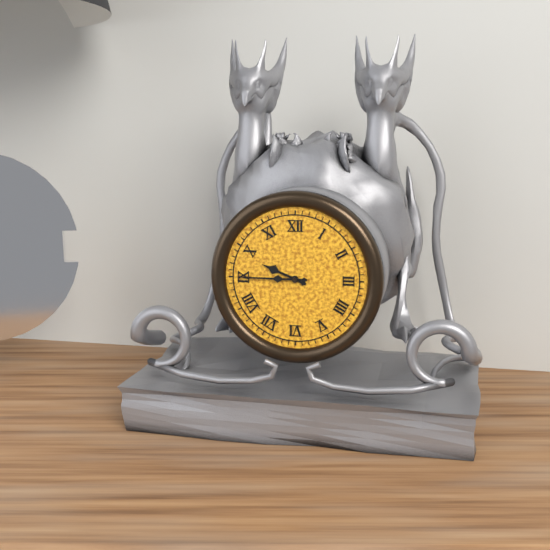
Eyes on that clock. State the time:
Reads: 9:45
